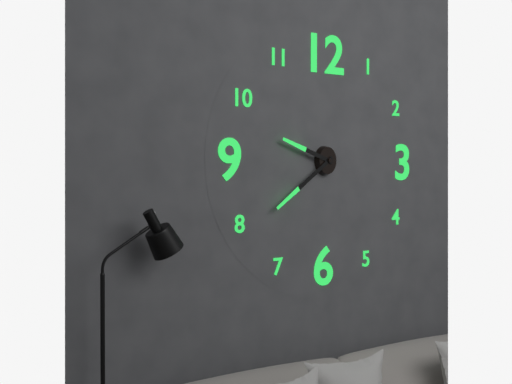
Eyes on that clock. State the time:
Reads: 9:39
